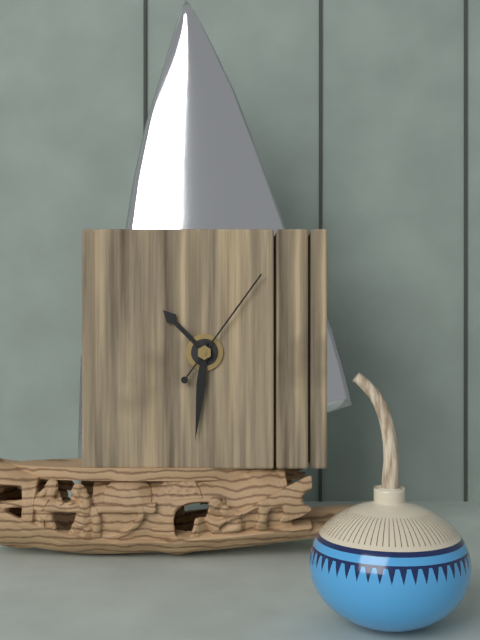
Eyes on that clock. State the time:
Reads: 10:31:06
